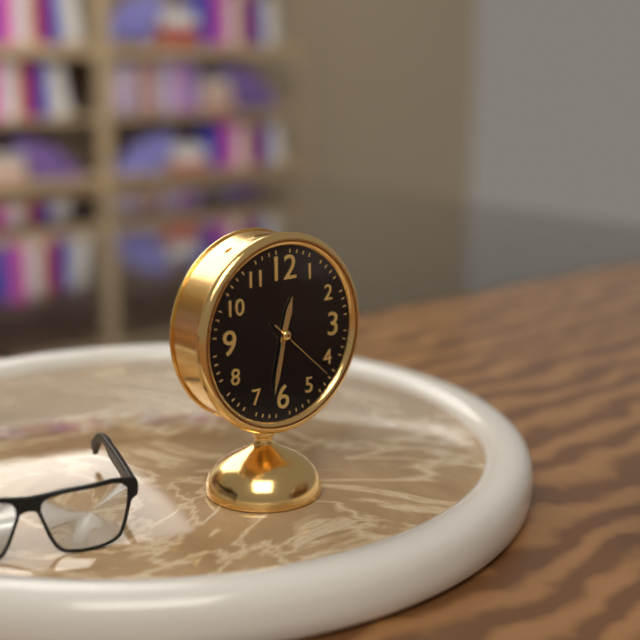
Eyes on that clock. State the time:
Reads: 12:32:22
